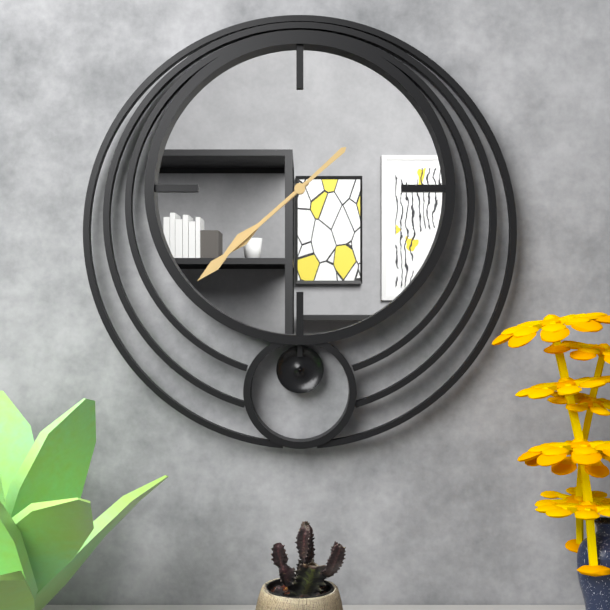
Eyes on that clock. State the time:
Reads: 7:38
